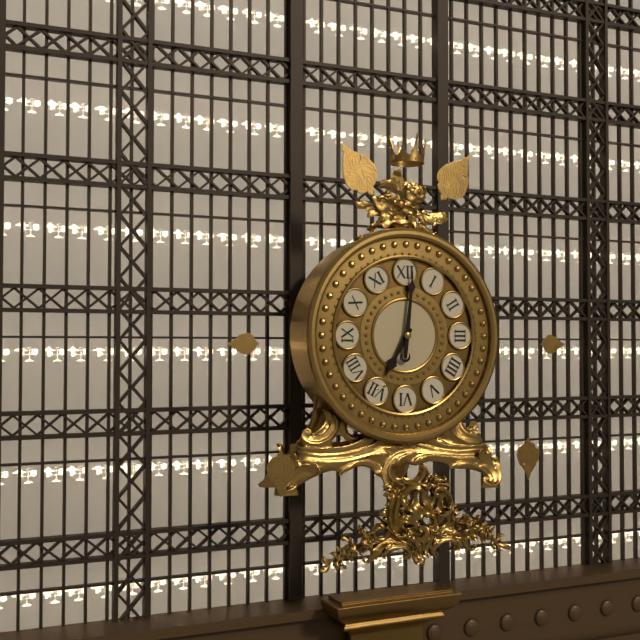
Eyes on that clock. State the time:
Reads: 7:01
